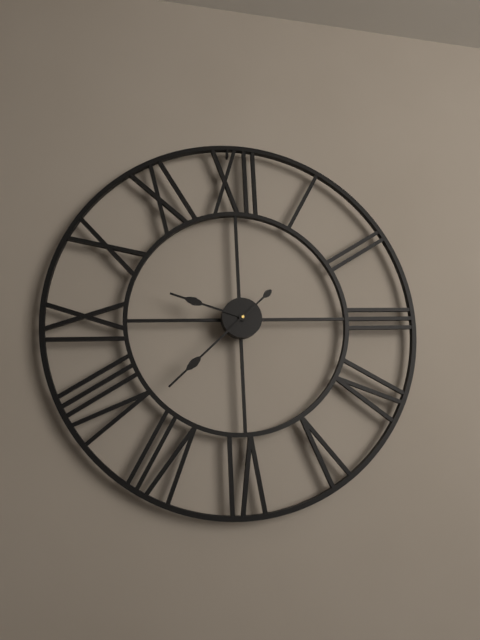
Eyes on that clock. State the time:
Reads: 9:38
